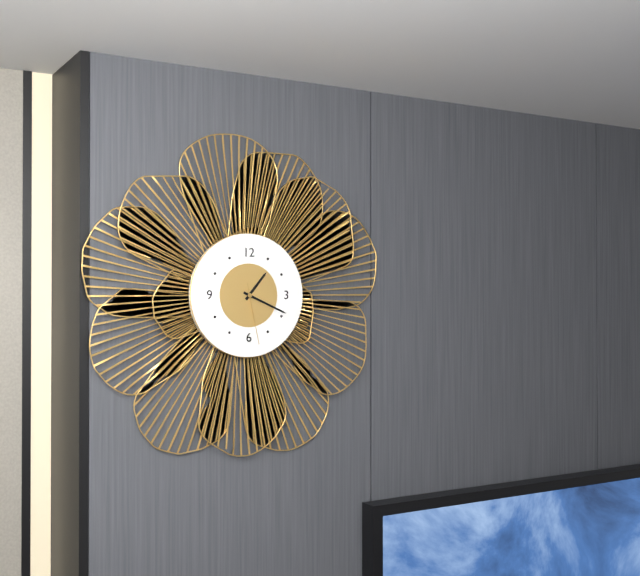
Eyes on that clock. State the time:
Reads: 1:19:28
